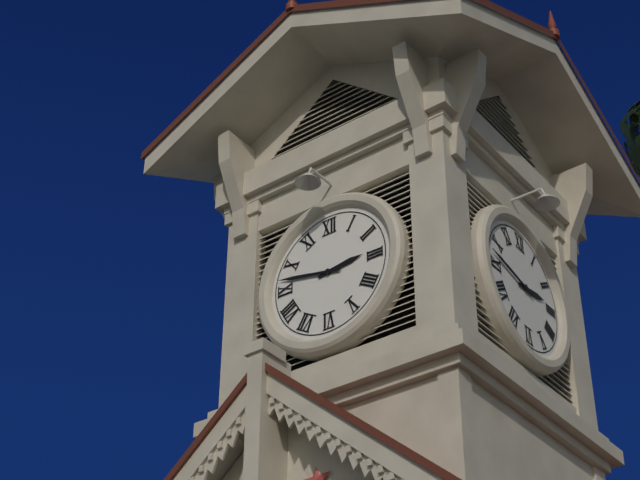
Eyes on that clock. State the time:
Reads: 2:47
